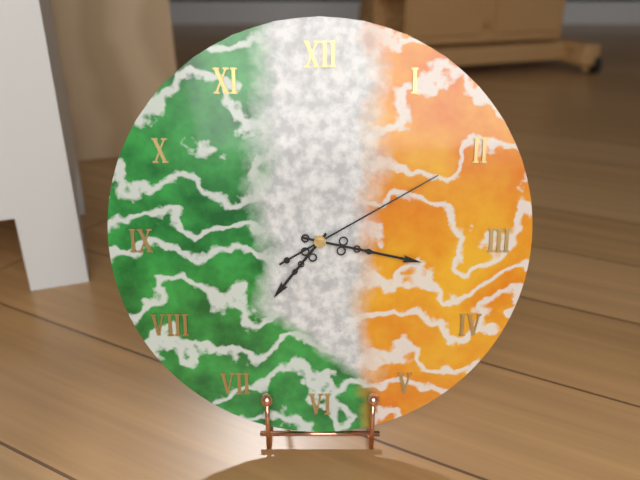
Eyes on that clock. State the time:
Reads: 7:17:10
